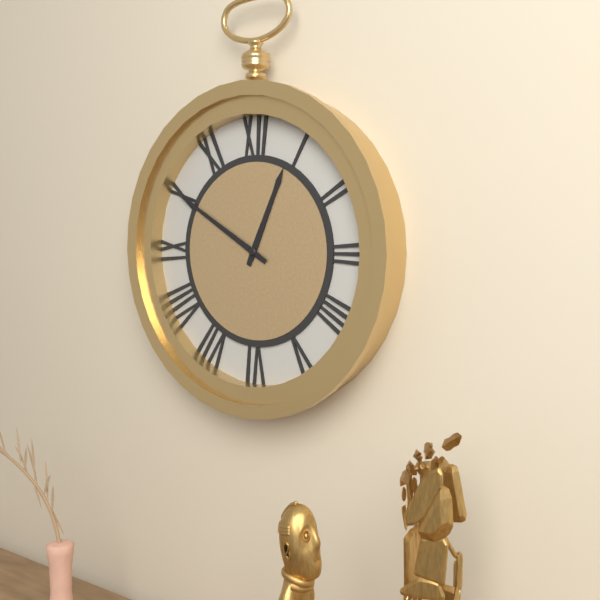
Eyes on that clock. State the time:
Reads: 12:50
